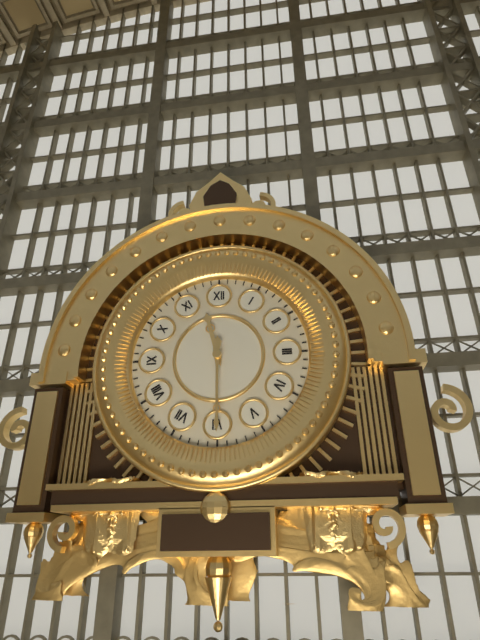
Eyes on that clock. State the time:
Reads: 11:30
